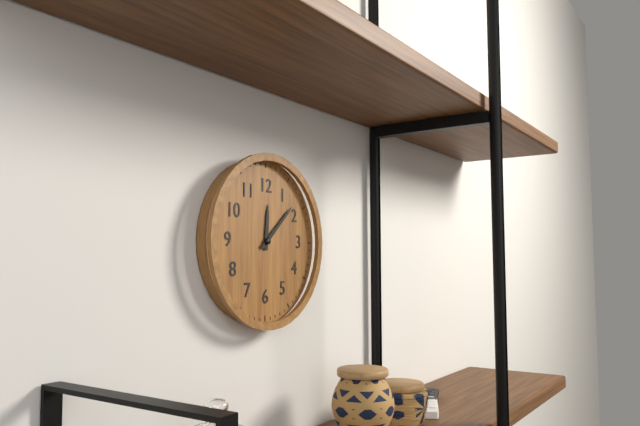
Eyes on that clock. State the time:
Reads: 12:08
